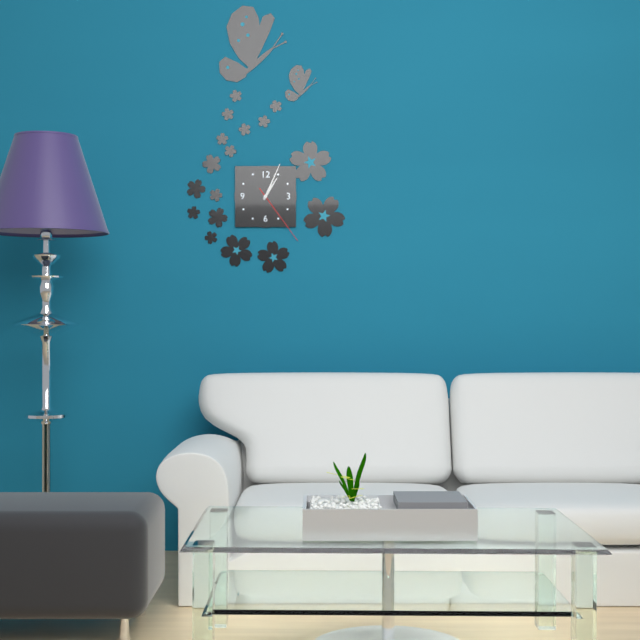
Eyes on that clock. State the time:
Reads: 1:04:24
